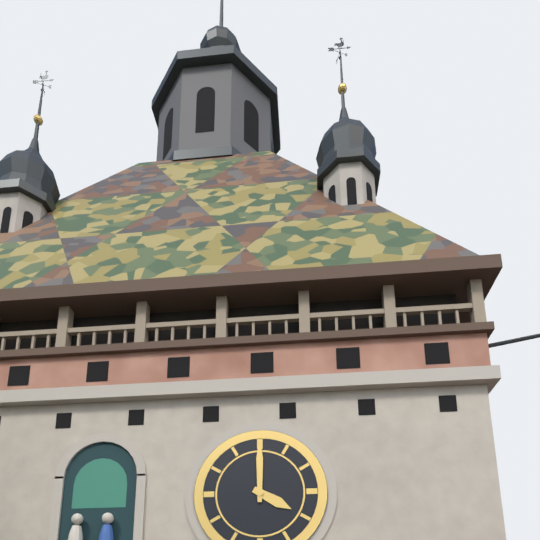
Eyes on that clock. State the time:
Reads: 4:00
